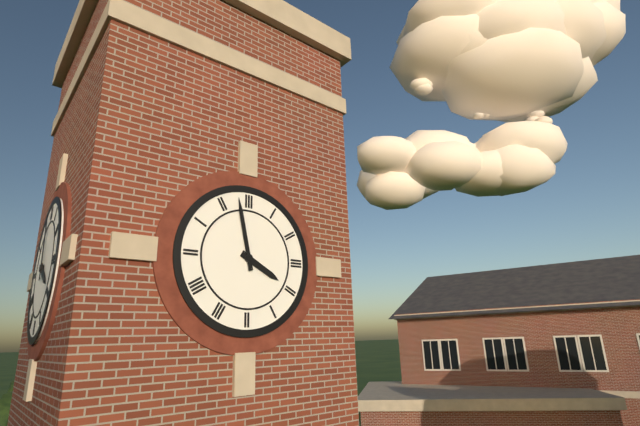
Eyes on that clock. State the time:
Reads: 3:58
